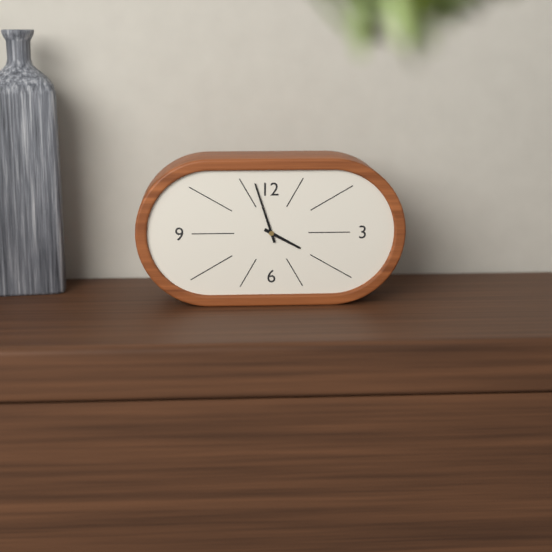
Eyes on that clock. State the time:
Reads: 3:57
